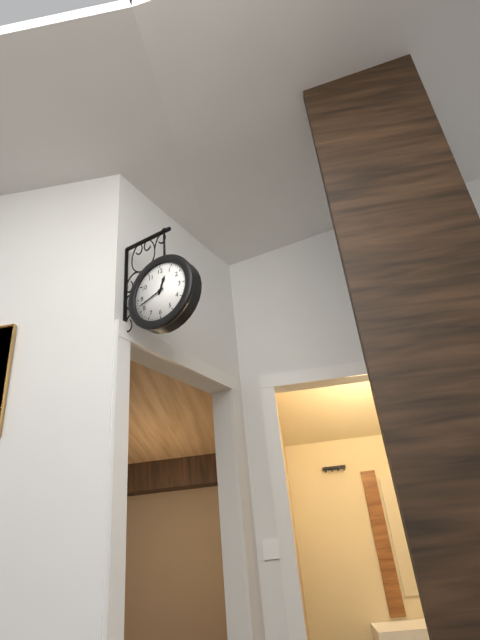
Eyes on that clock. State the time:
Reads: 12:42
